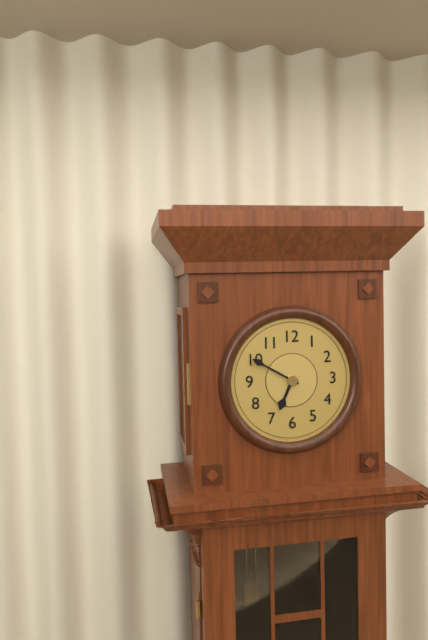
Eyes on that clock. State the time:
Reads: 6:50
